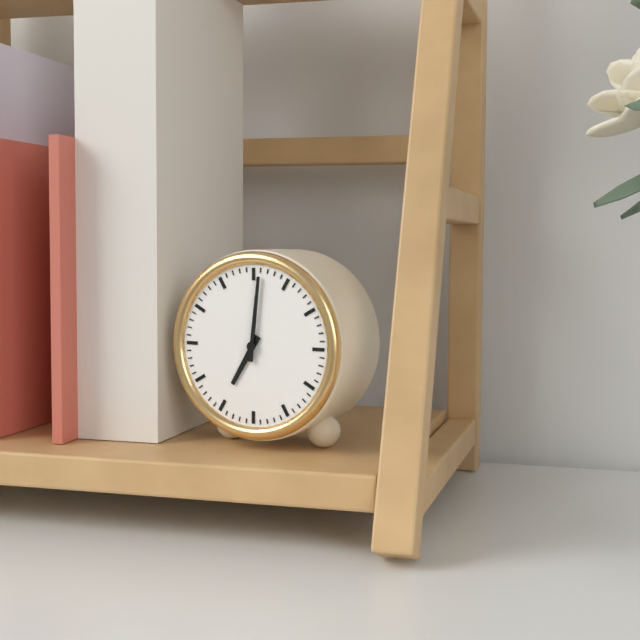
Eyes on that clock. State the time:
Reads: 7:01
